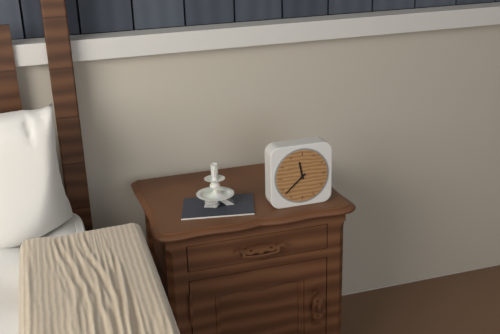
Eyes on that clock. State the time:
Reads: 11:38
